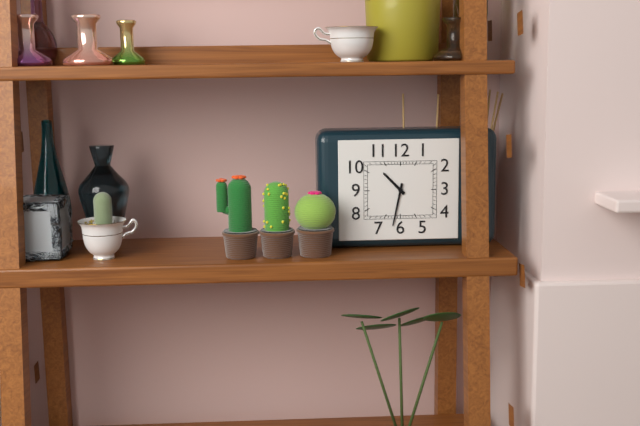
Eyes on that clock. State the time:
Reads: 10:32
